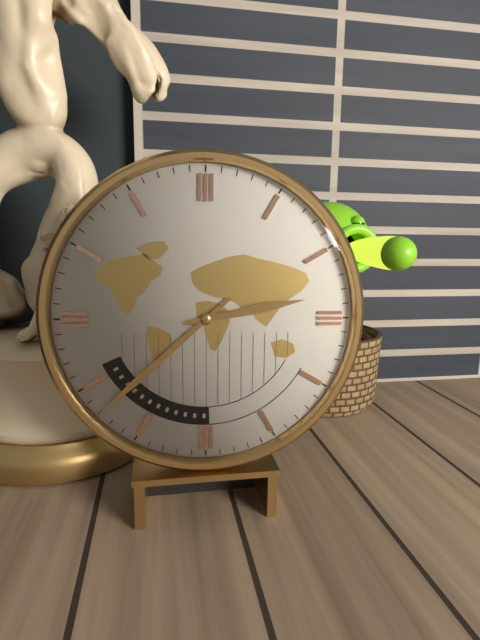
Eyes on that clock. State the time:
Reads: 2:38
